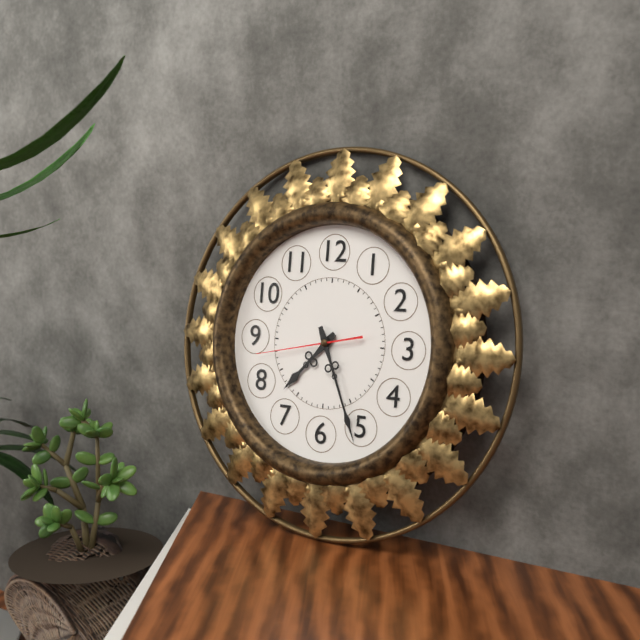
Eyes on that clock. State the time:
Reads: 7:26:43
